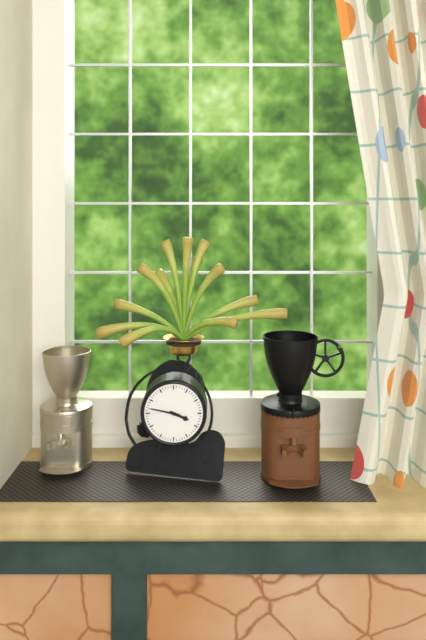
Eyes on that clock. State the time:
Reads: 3:47
